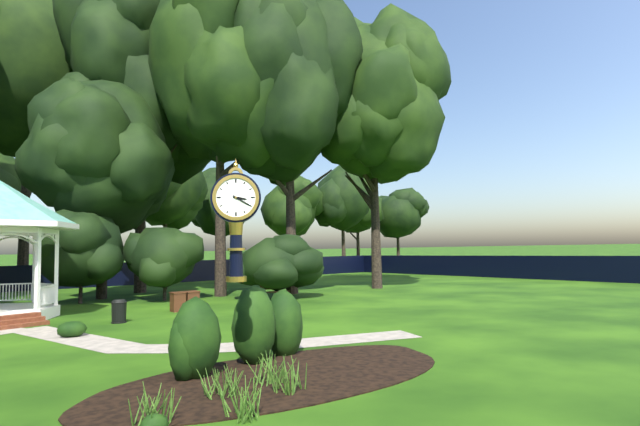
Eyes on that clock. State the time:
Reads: 3:20
